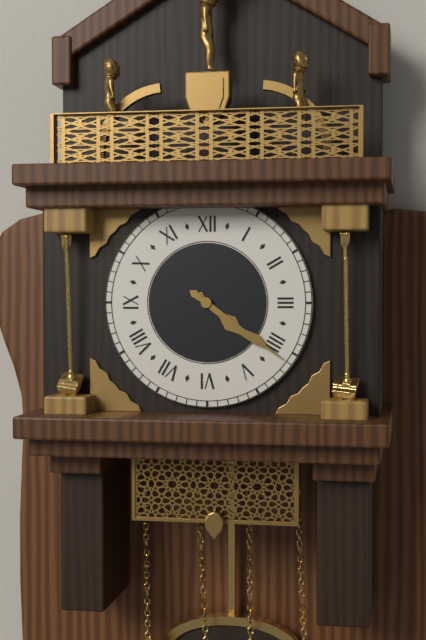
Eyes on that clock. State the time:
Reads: 4:21
